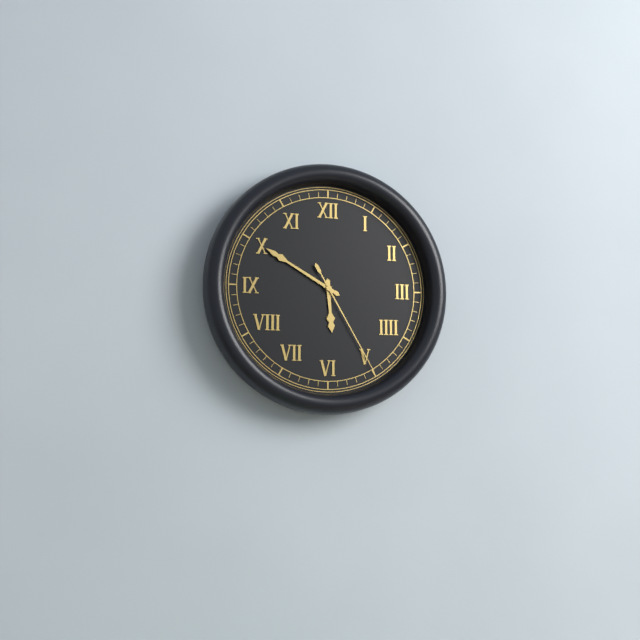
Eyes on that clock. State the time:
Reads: 5:50:25
